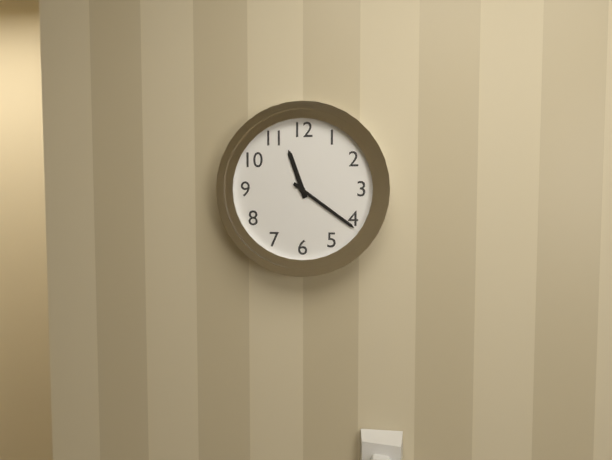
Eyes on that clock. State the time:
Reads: 11:21
